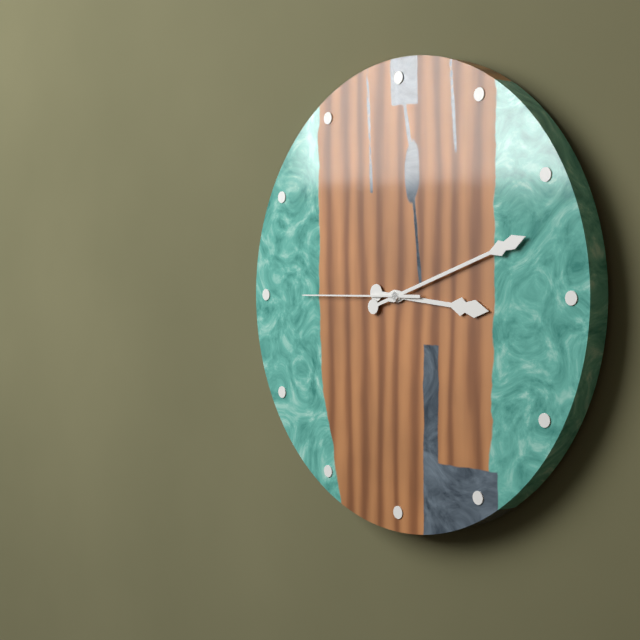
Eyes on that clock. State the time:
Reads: 3:12:45
